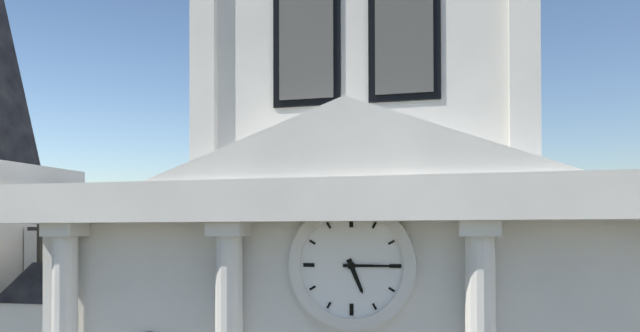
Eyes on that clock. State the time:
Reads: 5:15
